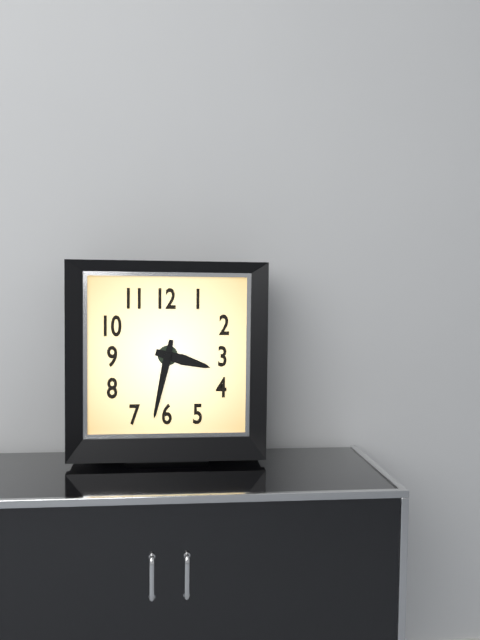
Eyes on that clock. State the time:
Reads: 3:32
